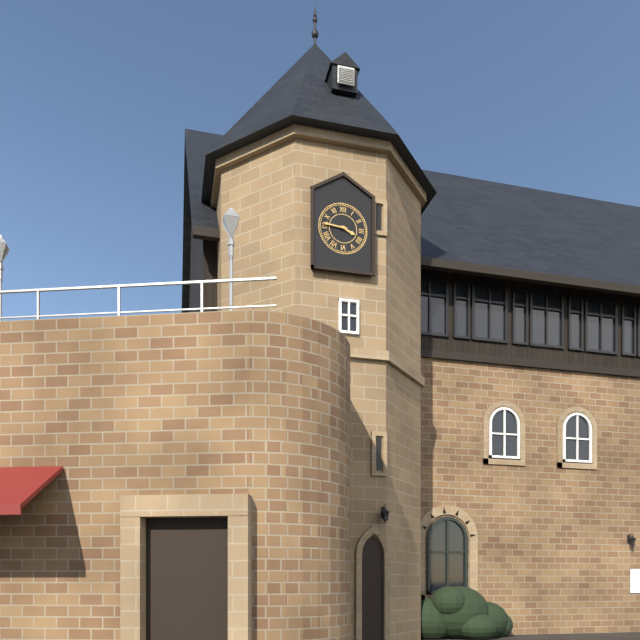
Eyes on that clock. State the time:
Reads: 3:46
